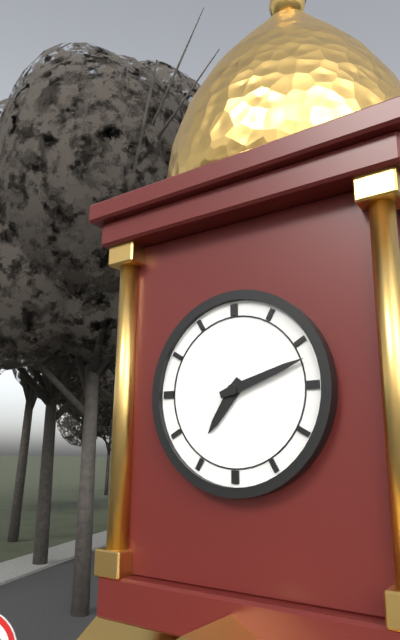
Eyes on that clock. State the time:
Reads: 7:12
